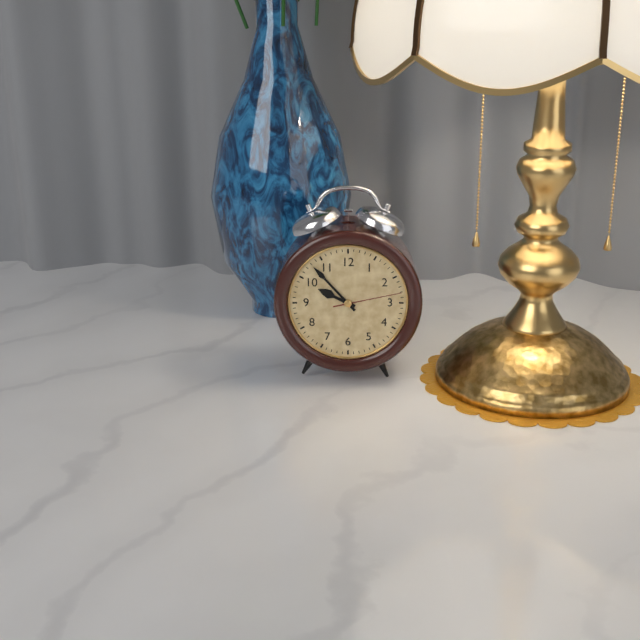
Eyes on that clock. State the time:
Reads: 9:53:13
